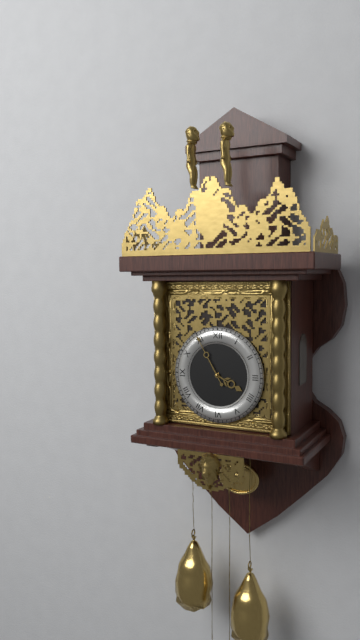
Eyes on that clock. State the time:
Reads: 3:55
